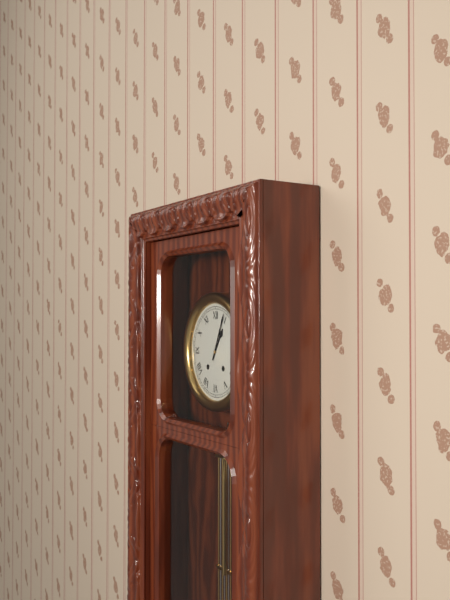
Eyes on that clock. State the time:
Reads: 1:04
